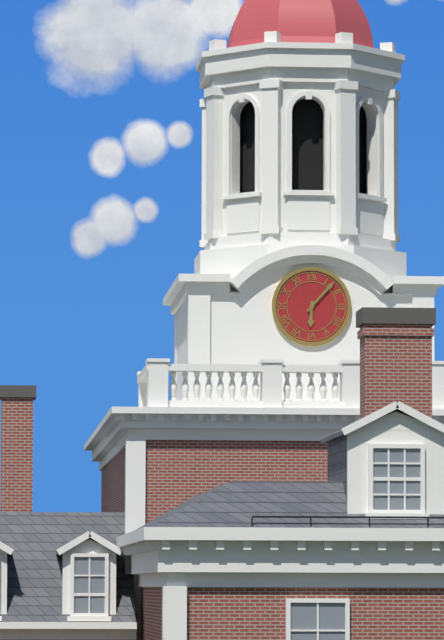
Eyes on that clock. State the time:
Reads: 6:07
